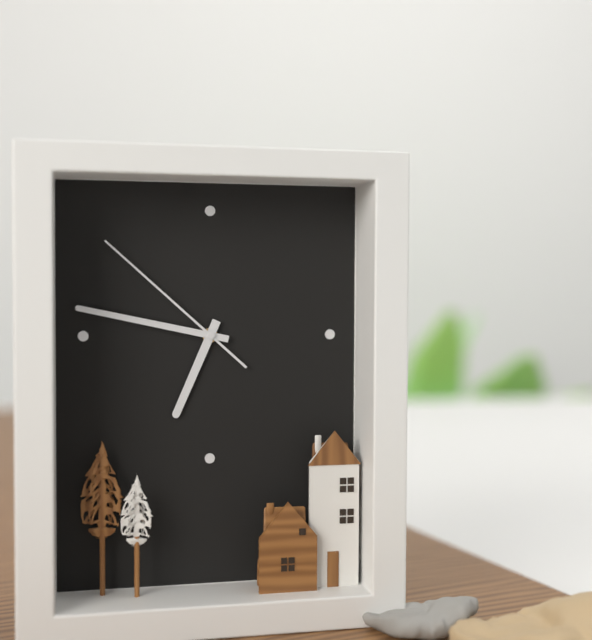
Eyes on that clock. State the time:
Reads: 6:47:52
